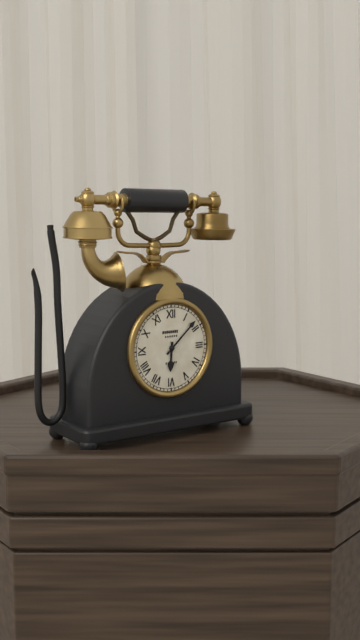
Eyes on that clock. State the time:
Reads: 6:08
